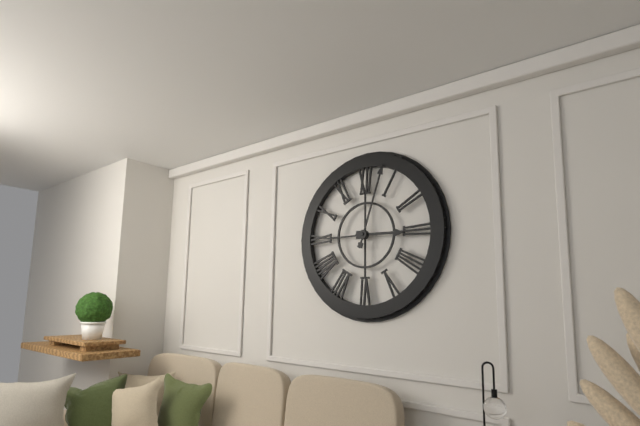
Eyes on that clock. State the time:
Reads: 3:03
